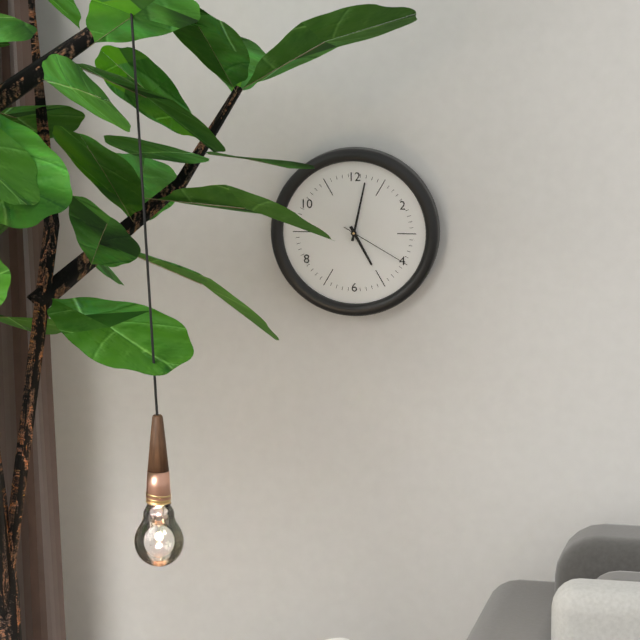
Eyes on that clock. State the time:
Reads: 5:02:20
